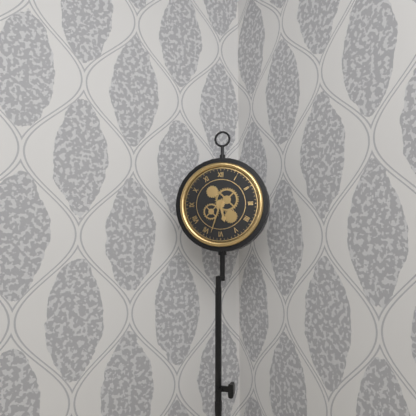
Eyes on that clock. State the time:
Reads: 5:33
